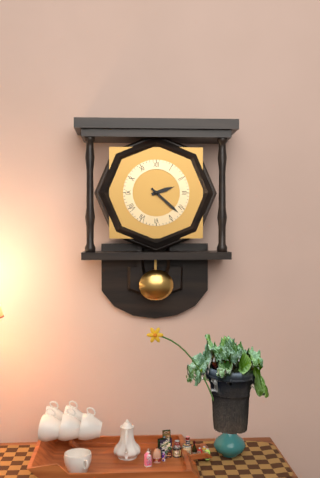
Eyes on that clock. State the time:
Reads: 2:22
